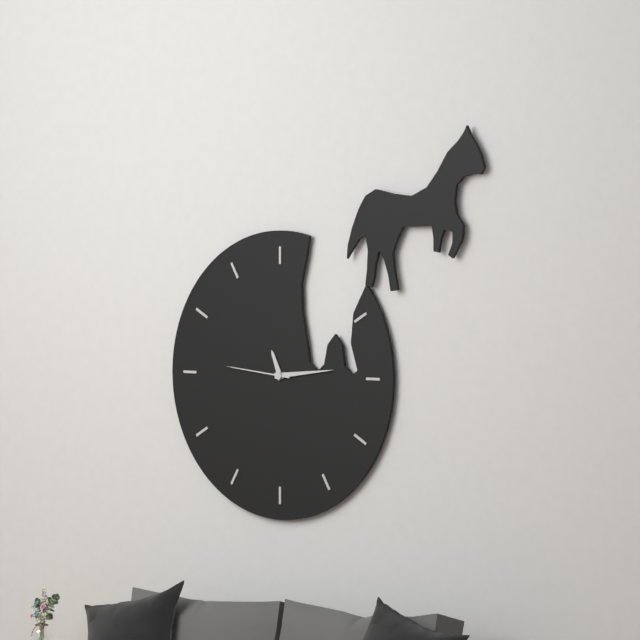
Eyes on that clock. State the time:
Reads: 11:14:46
